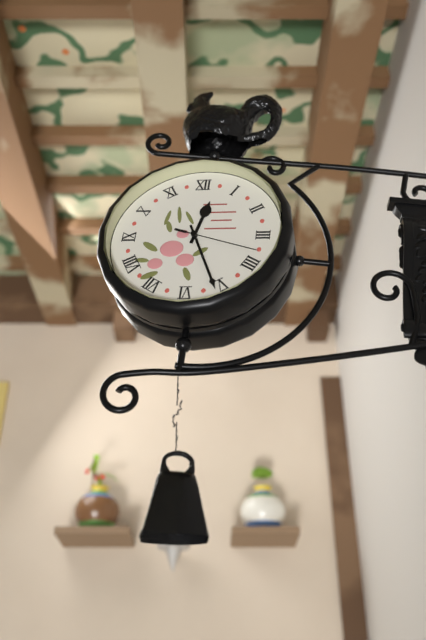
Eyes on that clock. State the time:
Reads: 12:26:18
